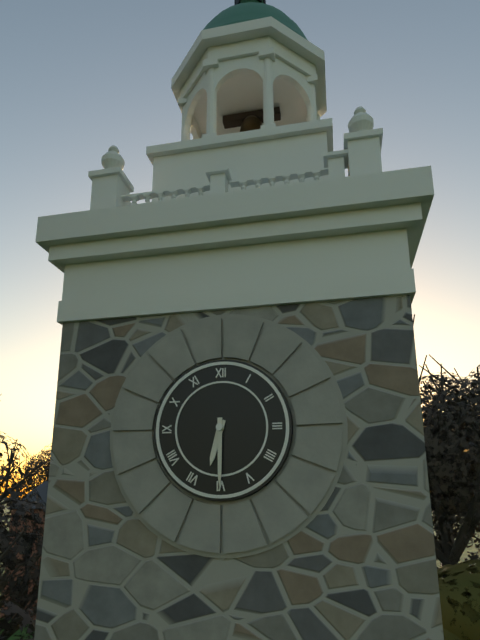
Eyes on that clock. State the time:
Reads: 6:30
